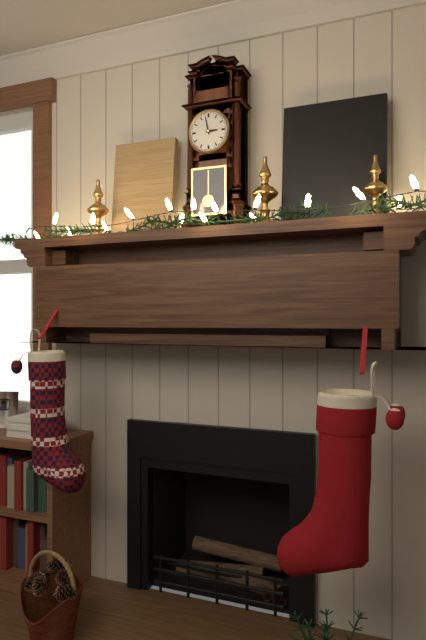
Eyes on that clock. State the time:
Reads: 2:58
